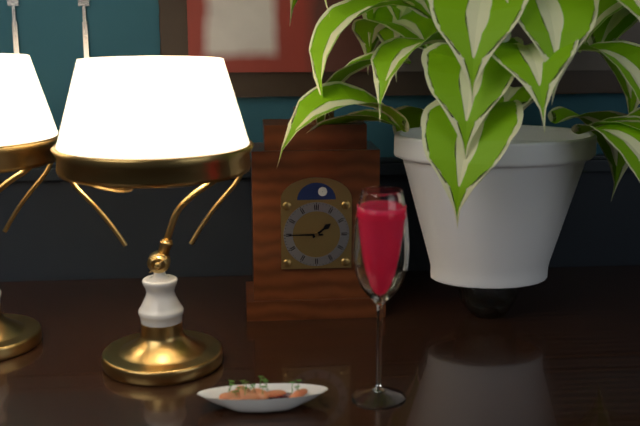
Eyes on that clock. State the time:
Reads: 1:45
